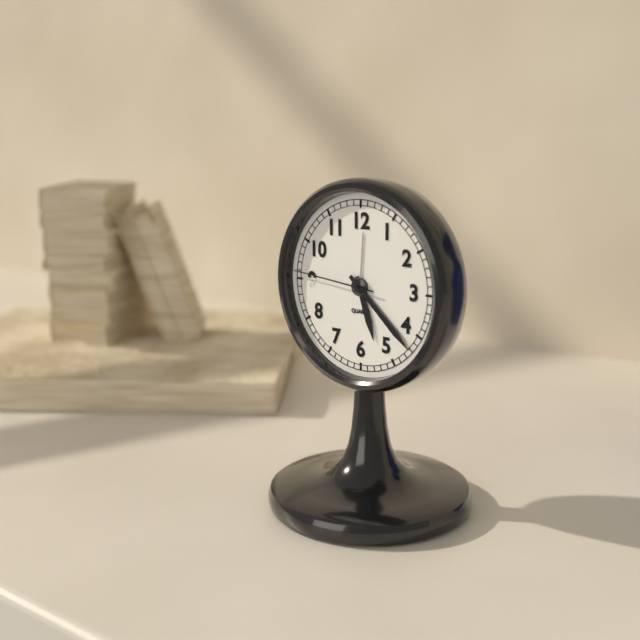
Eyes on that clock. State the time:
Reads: 5:22:46
